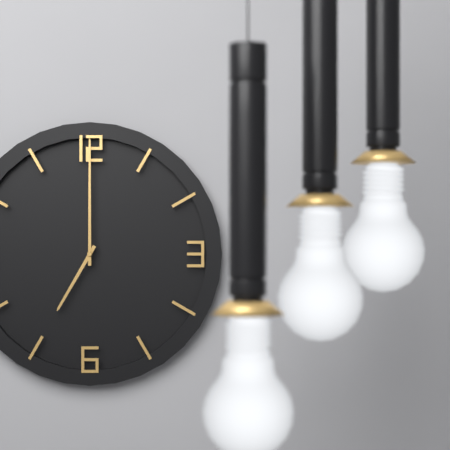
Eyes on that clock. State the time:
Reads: 7:00
